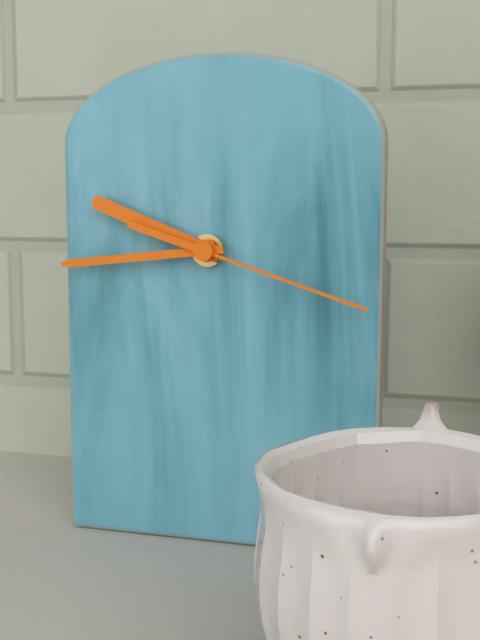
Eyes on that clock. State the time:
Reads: 9:44:18
